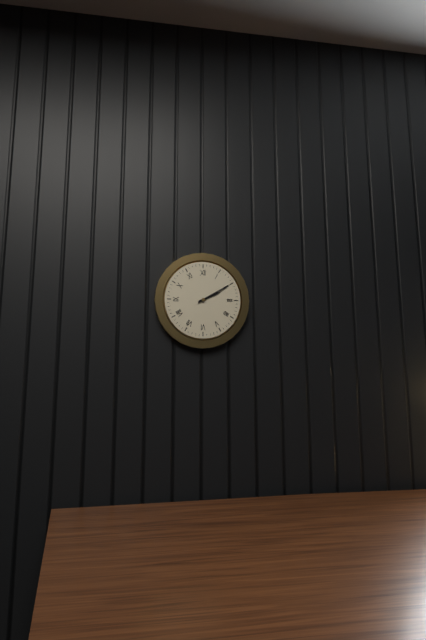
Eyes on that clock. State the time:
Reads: 2:10
